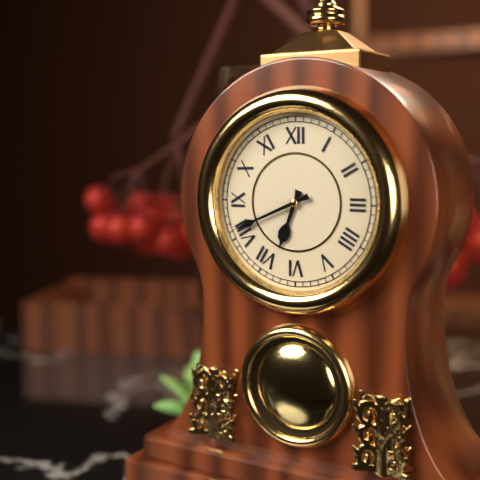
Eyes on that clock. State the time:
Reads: 6:41
